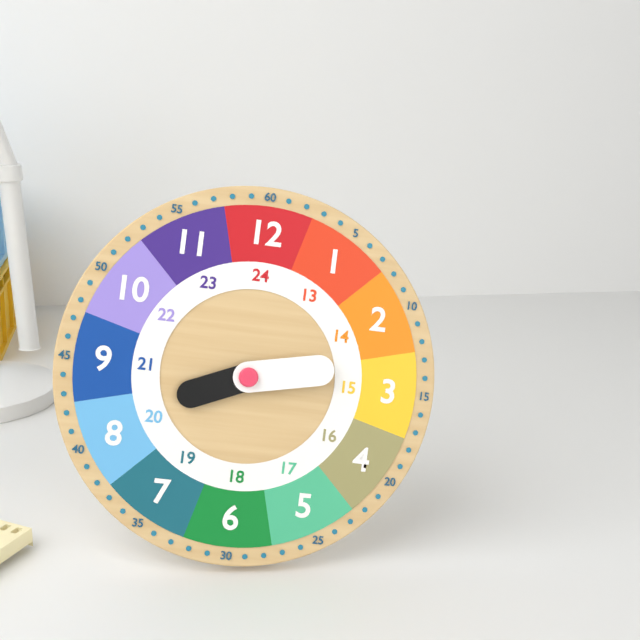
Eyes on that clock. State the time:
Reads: 8:13
